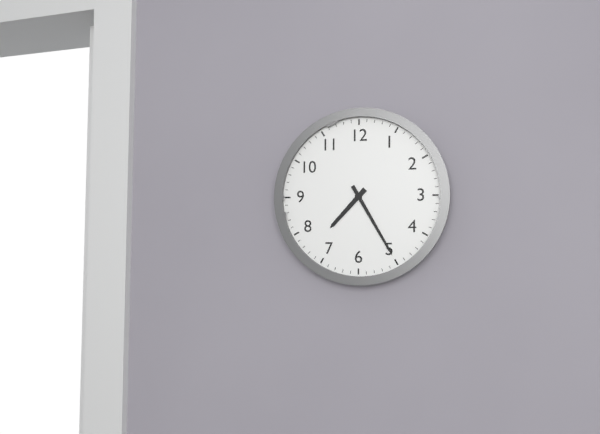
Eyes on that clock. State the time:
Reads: 7:25
